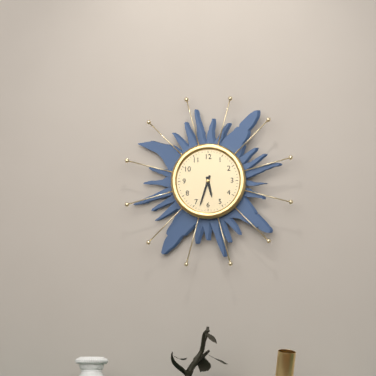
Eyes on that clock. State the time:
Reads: 5:33
